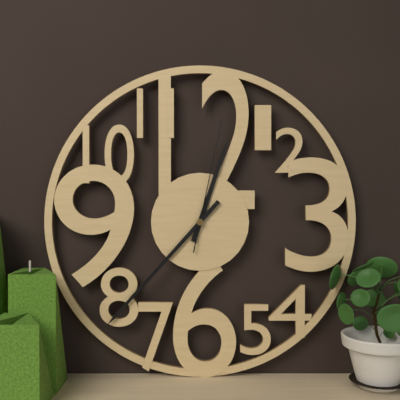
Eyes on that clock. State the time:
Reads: 12:37:02
